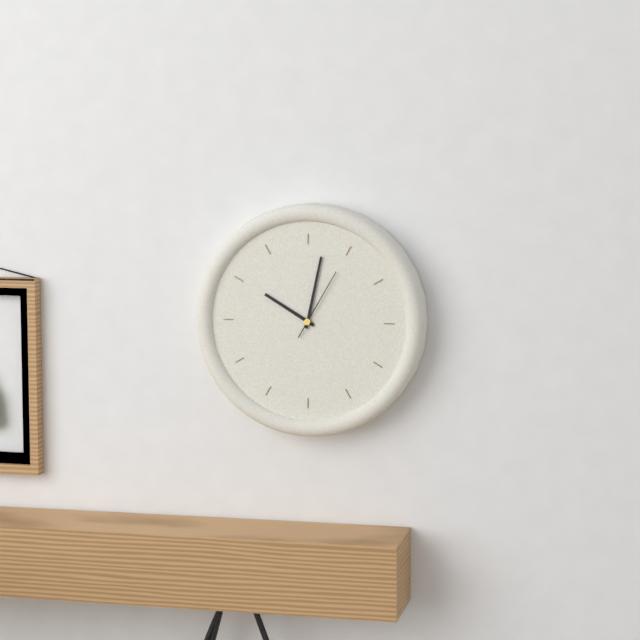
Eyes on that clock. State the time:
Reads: 10:02:05
